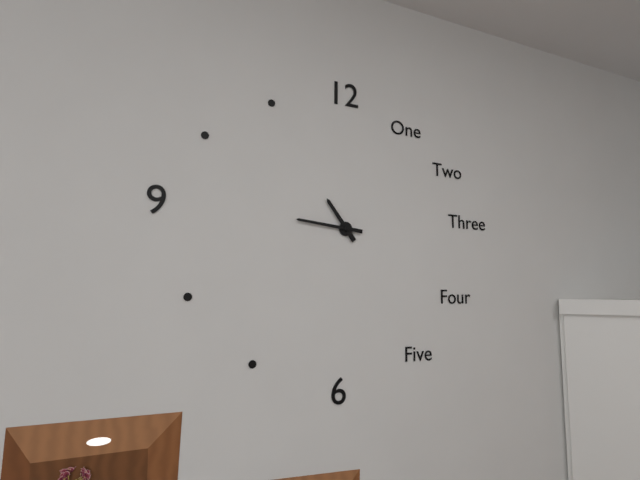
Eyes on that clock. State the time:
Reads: 10:46
